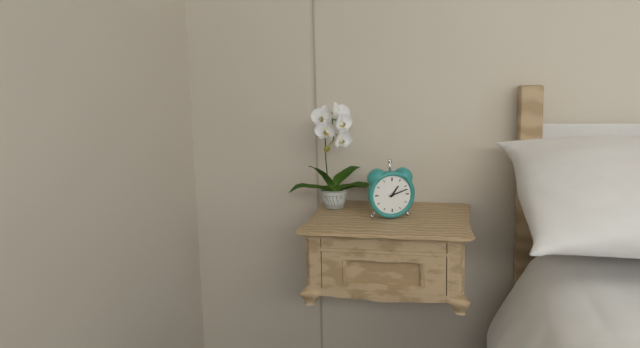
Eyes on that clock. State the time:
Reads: 1:12
